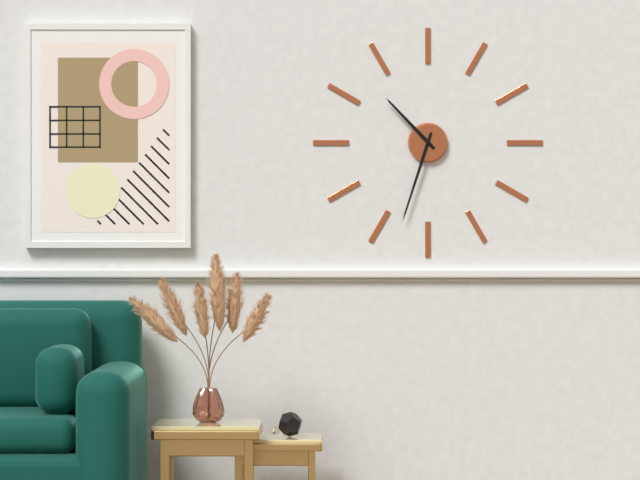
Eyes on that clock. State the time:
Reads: 10:33
